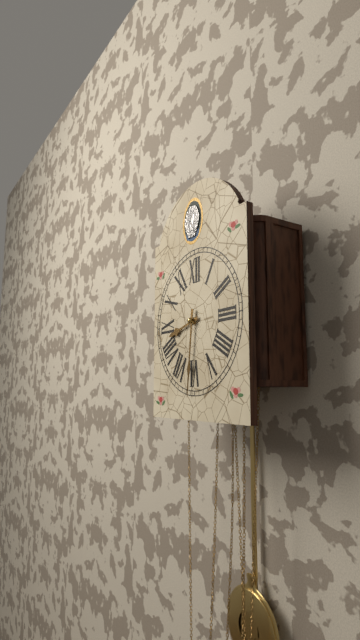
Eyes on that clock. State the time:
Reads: 8:31
